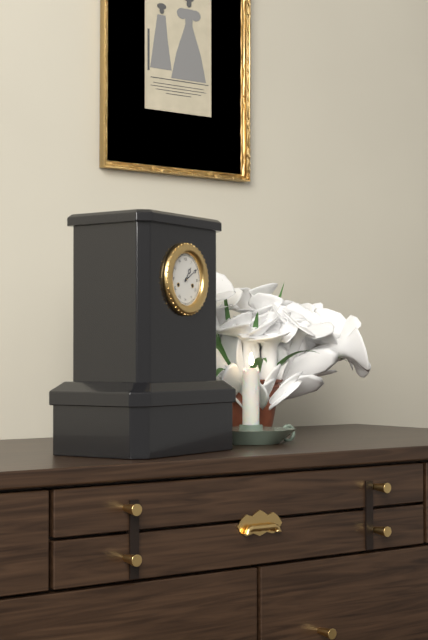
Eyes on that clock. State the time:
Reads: 1:10
